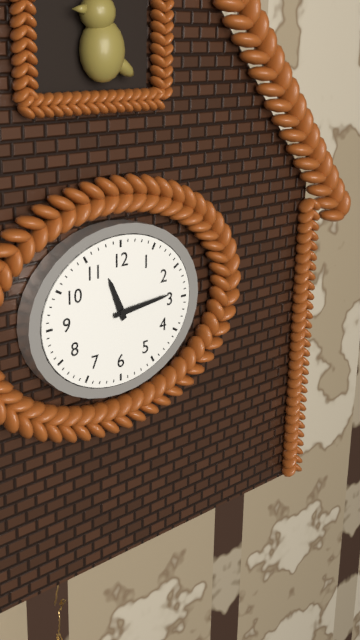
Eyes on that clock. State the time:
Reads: 11:14
